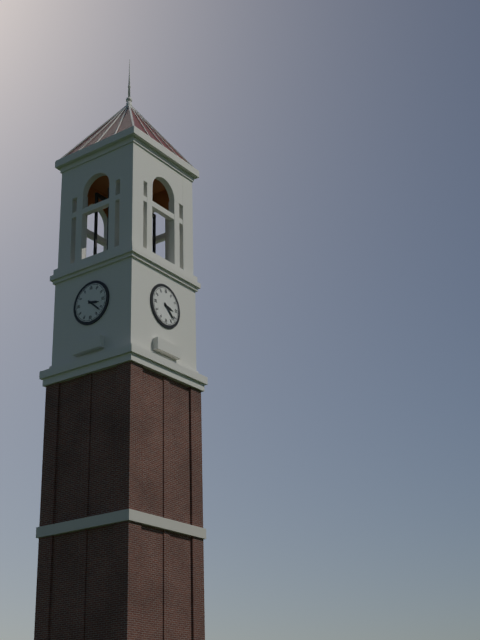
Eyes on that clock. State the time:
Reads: 3:22
